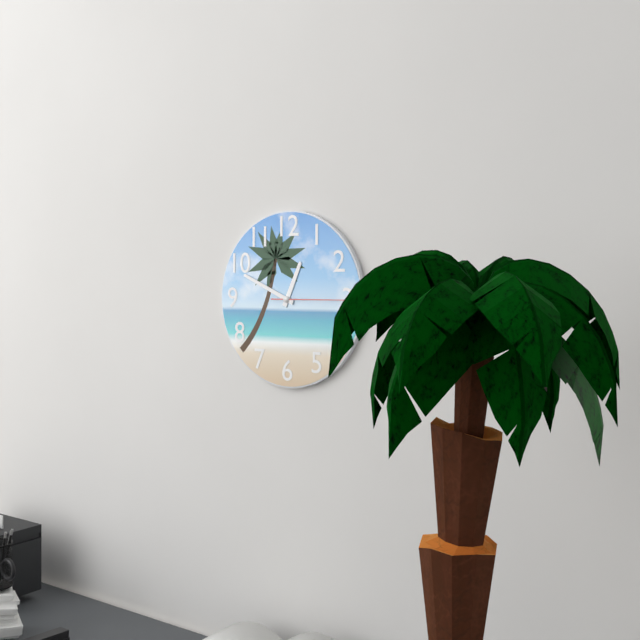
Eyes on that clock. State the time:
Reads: 12:49:15
